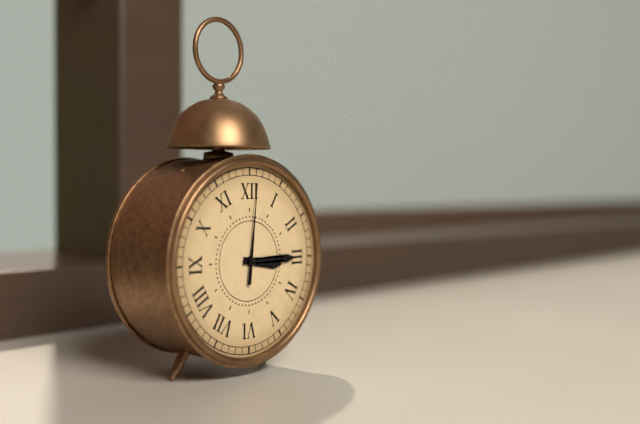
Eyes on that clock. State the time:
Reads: 3:15:01
